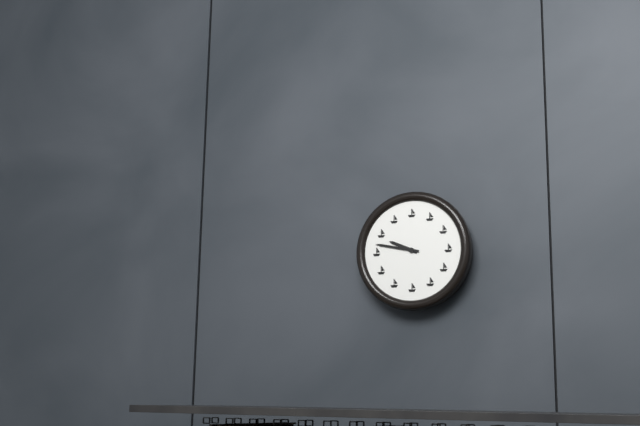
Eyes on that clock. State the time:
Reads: 9:47
